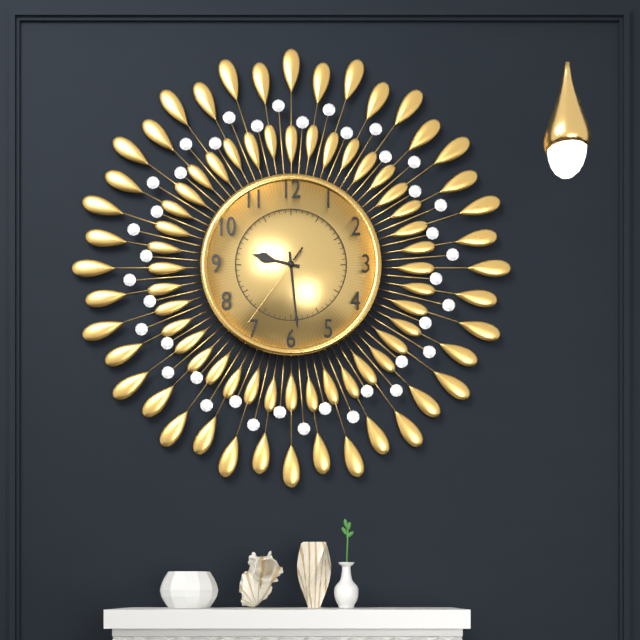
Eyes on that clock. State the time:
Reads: 9:29:36
